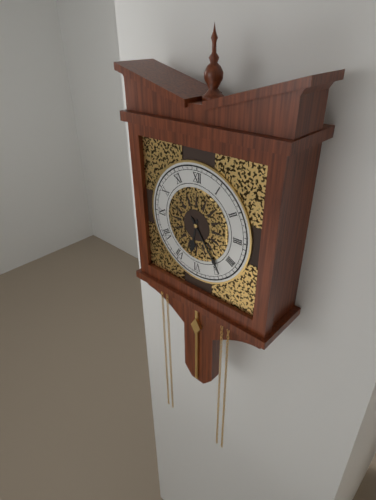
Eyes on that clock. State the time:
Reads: 6:24
